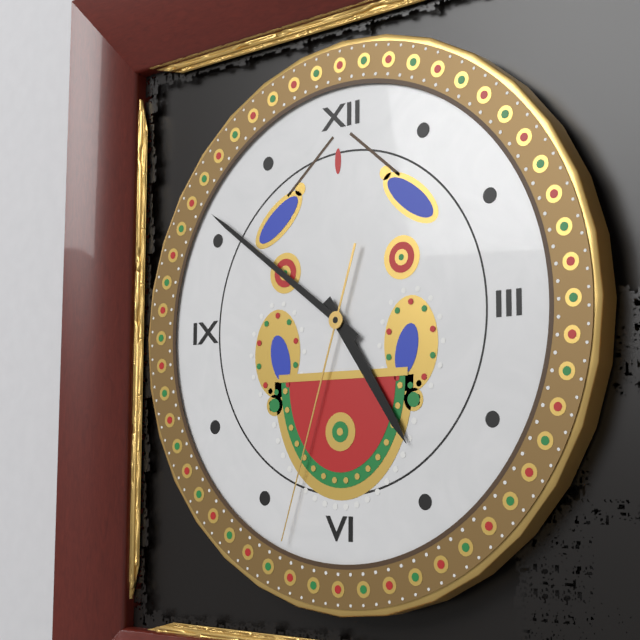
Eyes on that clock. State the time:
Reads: 4:51:33
